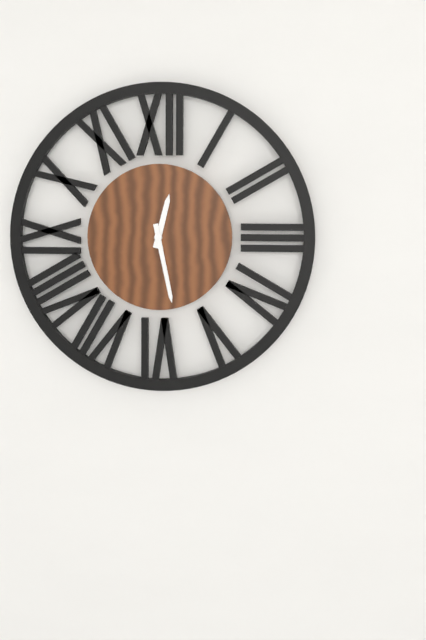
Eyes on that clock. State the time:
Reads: 12:28
